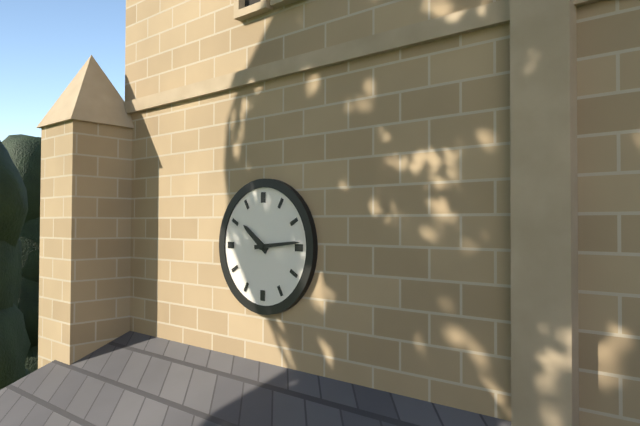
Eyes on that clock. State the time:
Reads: 10:14
